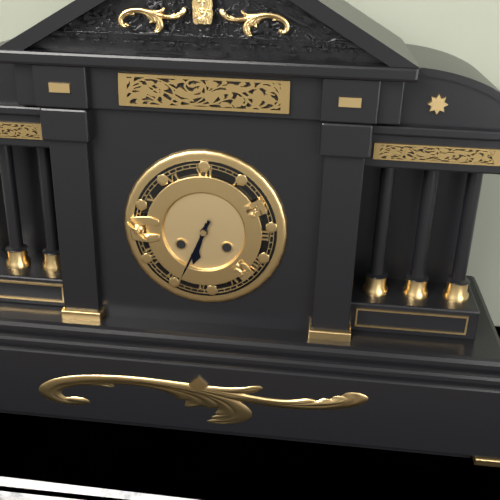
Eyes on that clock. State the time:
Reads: 6:34
